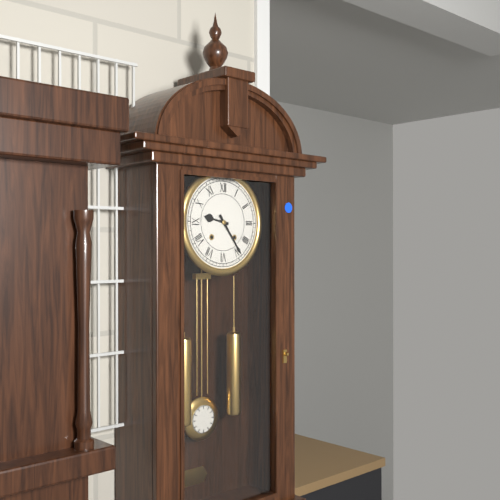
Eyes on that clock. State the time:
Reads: 9:24
